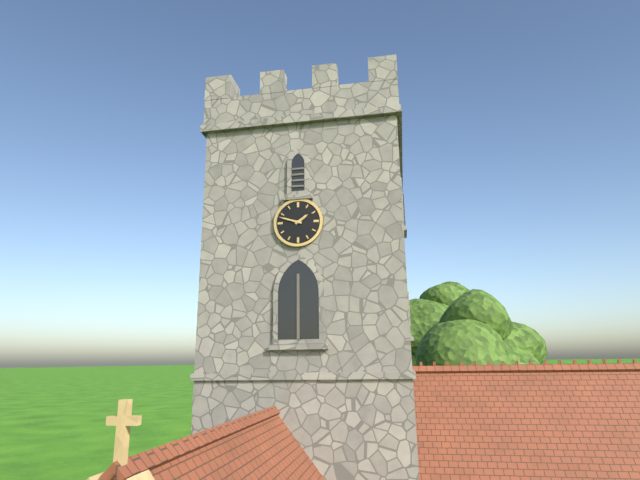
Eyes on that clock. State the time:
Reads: 1:48
